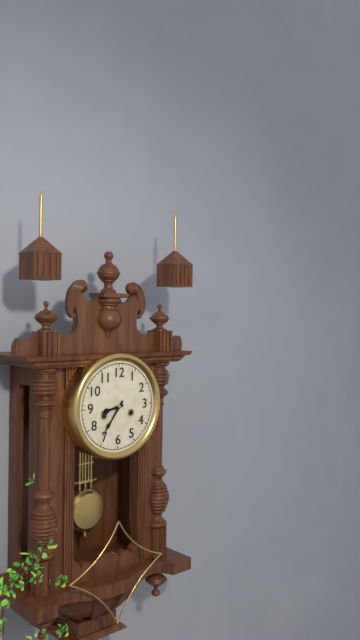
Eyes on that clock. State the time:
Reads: 8:36
